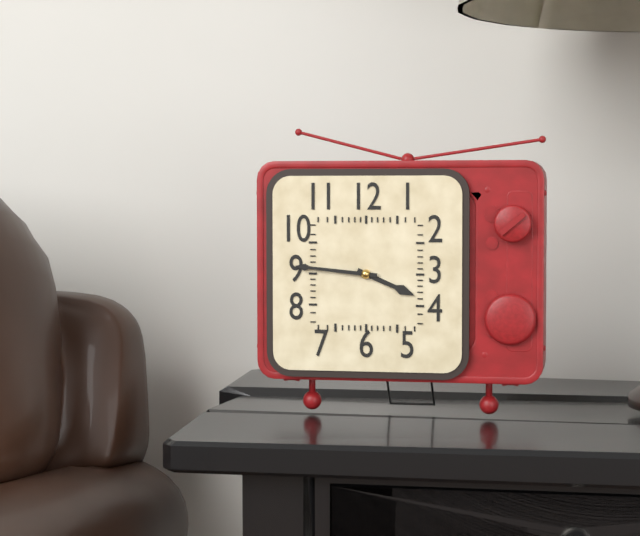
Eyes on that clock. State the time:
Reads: 3:46
